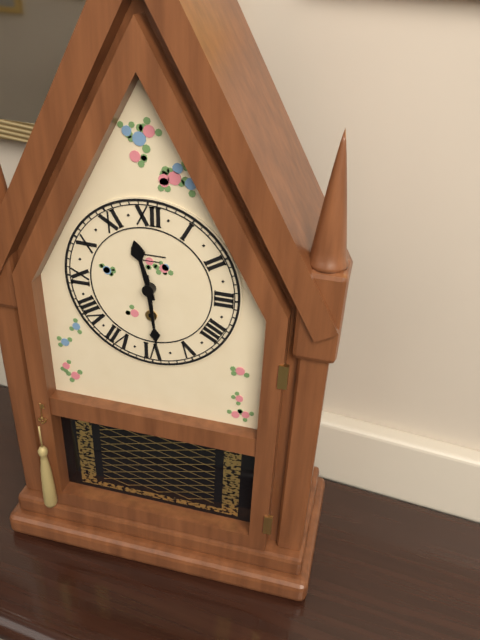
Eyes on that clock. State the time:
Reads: 11:29
